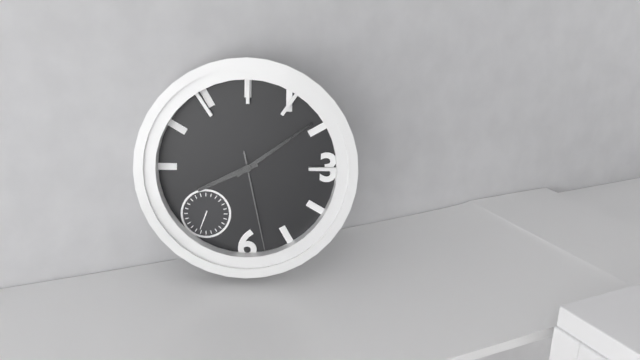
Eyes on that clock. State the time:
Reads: 8:09:28
